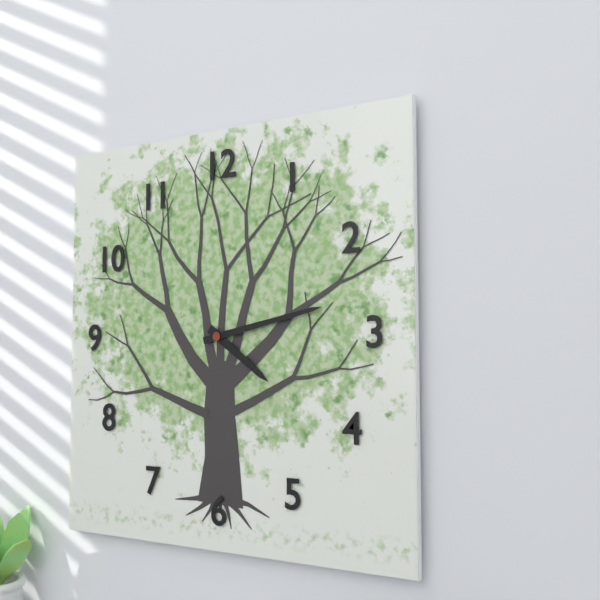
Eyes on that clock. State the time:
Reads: 4:13
